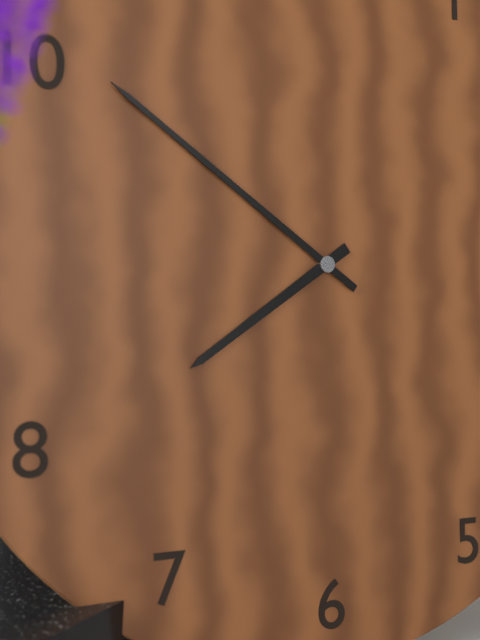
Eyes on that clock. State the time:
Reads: 7:51
